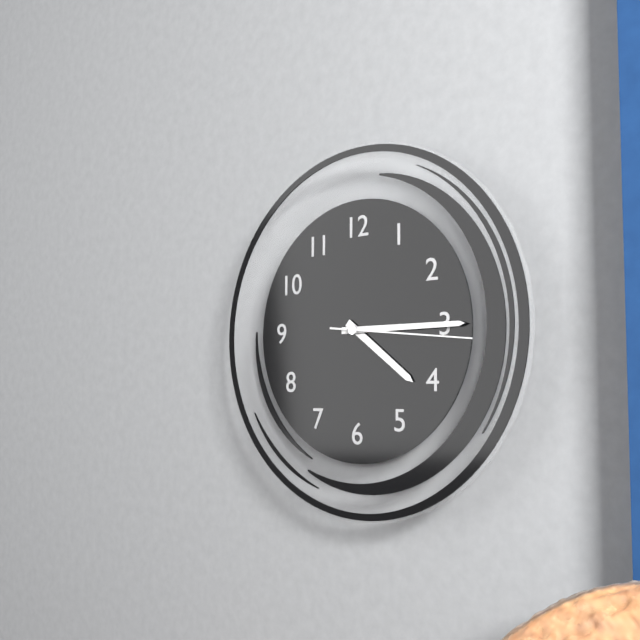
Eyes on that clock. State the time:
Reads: 4:15:16
